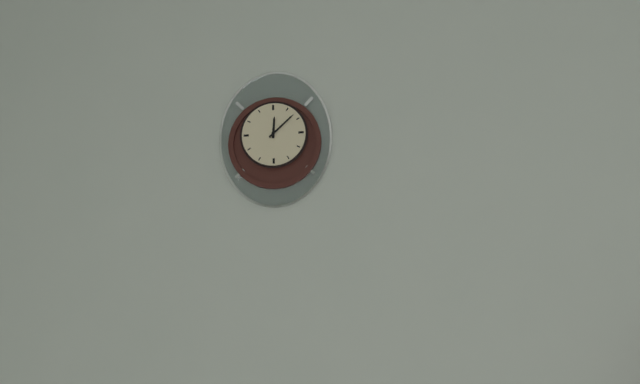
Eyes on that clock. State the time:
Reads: 12:08
